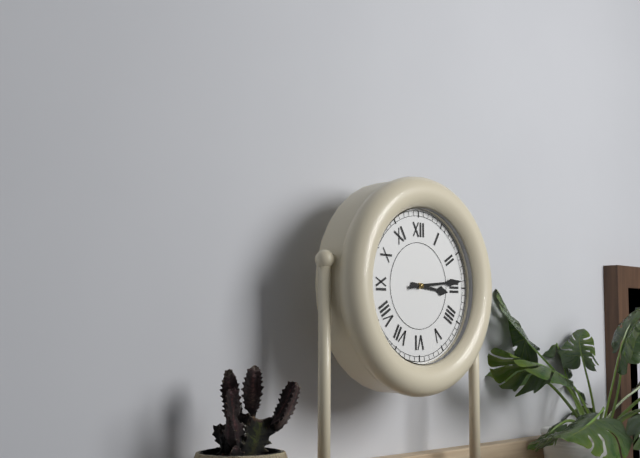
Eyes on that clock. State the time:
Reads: 3:14
